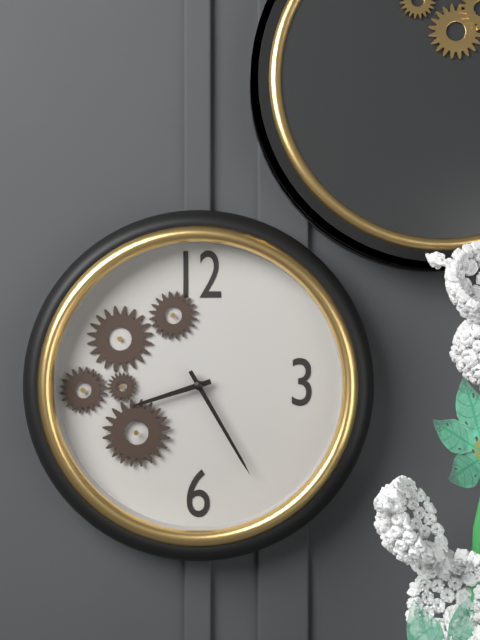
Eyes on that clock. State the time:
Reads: 8:25
